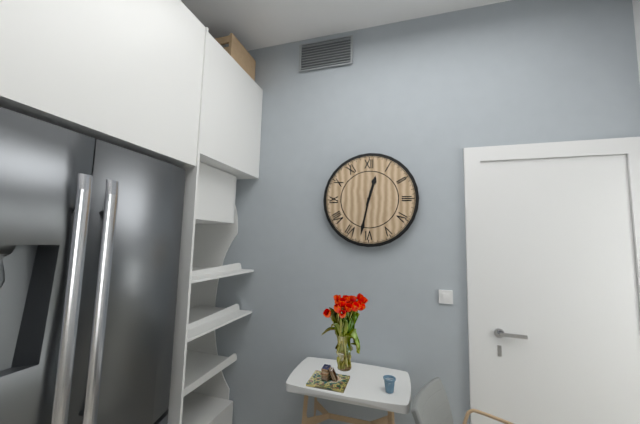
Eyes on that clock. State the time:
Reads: 12:32
